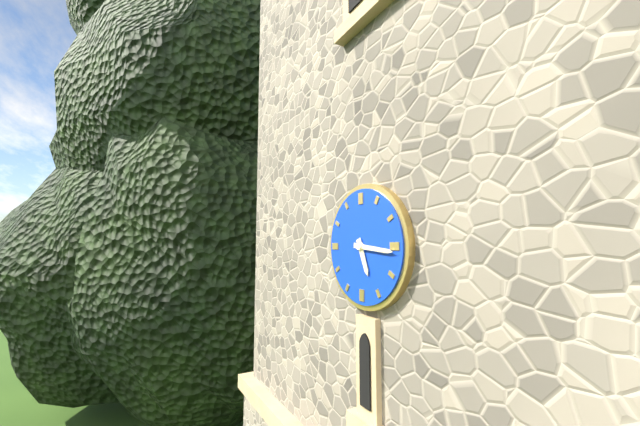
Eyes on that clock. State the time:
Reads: 5:16
